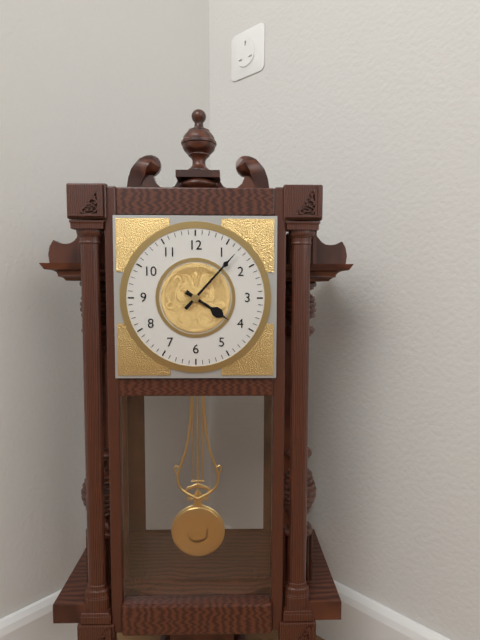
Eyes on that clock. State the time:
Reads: 4:07
